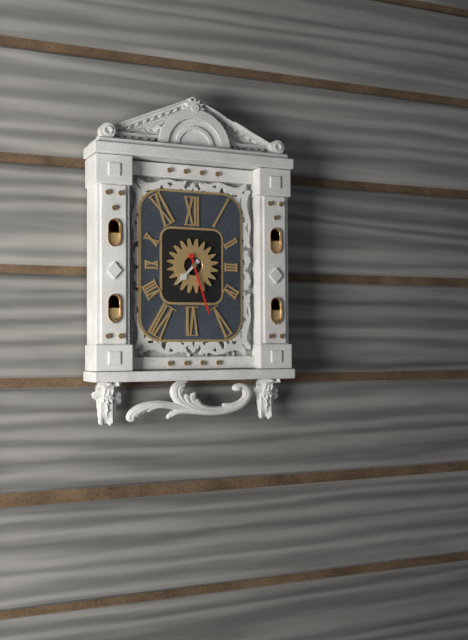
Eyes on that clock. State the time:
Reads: 7:27
